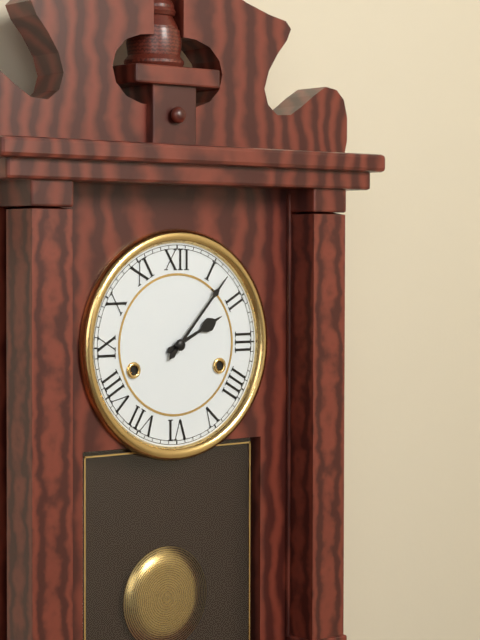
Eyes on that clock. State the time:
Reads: 2:07
